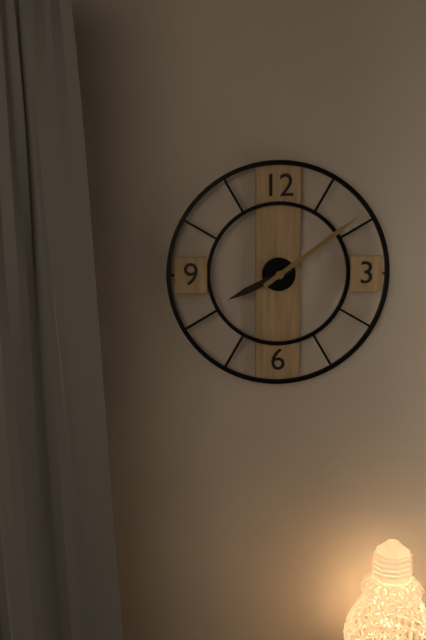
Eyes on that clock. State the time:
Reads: 8:09
